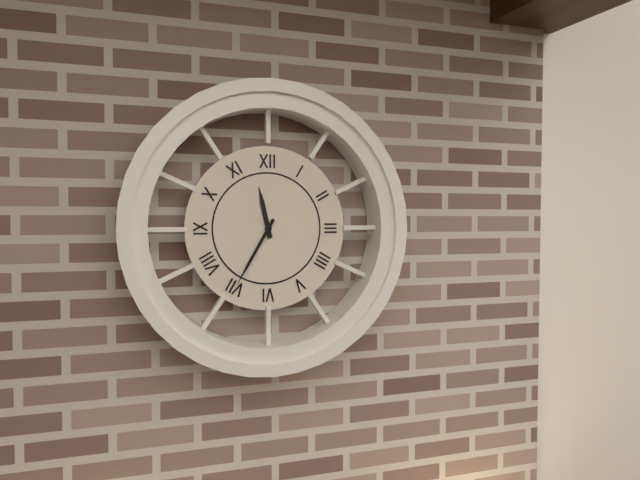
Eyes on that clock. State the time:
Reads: 11:35
